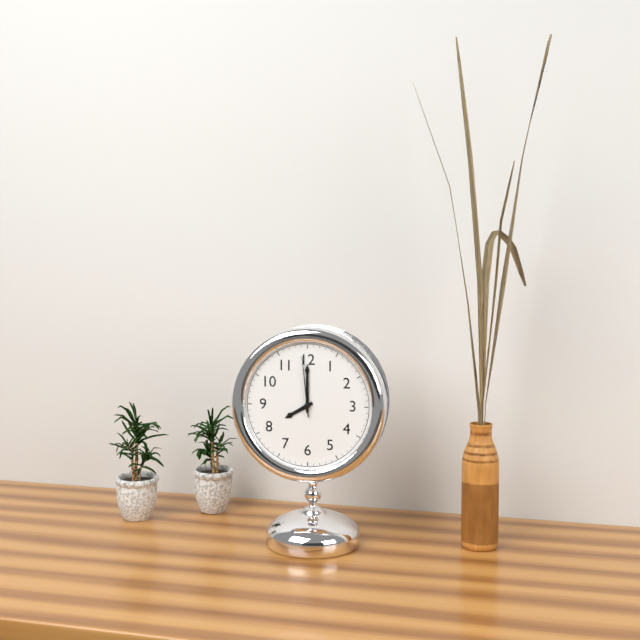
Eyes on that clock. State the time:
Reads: 8:00:59
